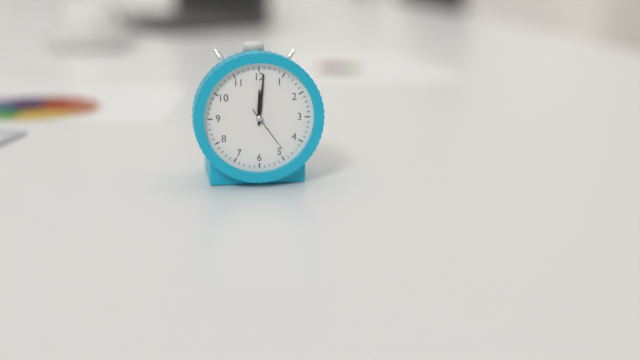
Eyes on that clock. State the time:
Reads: 12:01
